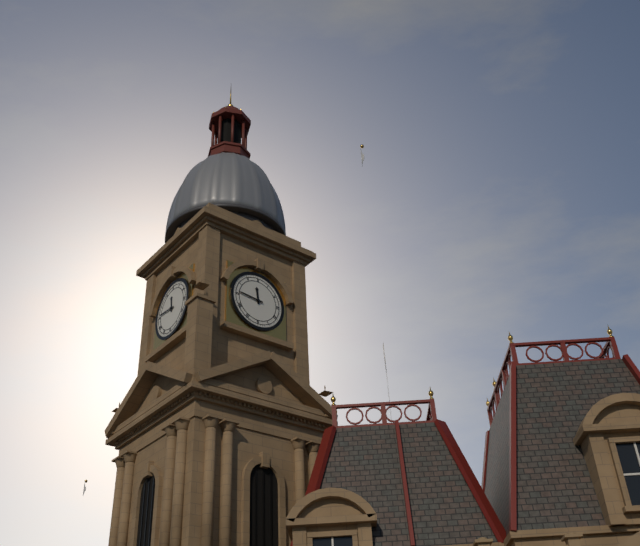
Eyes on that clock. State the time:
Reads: 11:46
